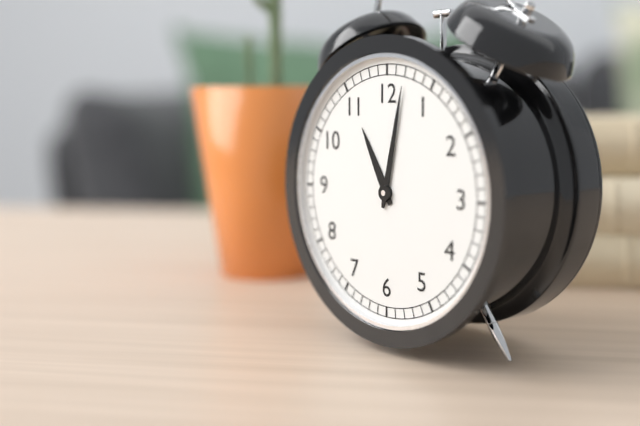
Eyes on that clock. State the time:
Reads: 11:02
